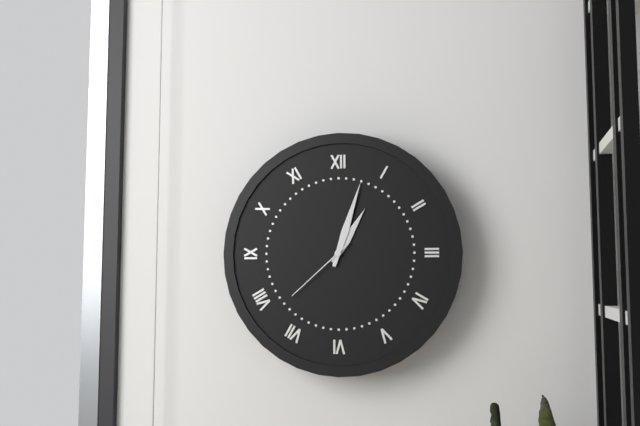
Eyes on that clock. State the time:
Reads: 1:03:38
